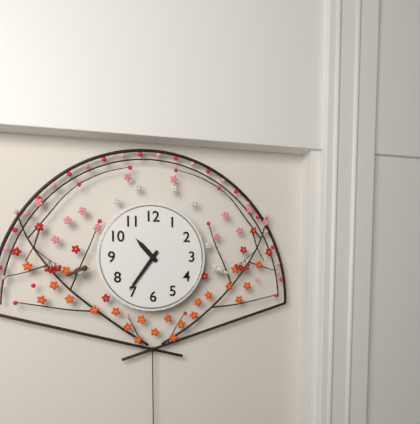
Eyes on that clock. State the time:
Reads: 10:36
